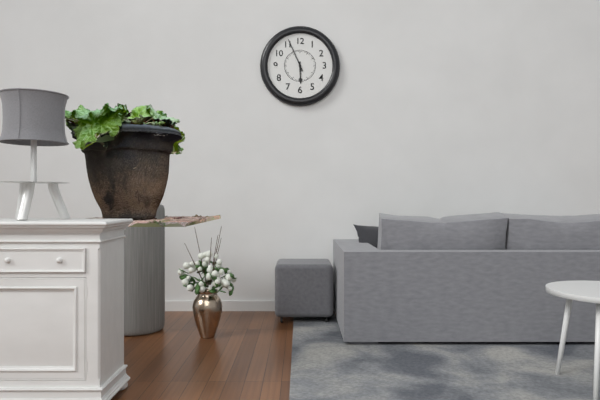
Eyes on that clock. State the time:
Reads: 5:56
